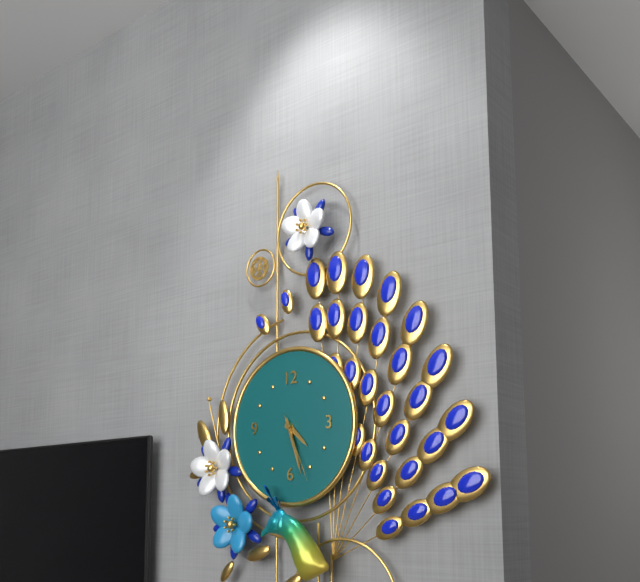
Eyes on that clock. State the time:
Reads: 4:27:26
